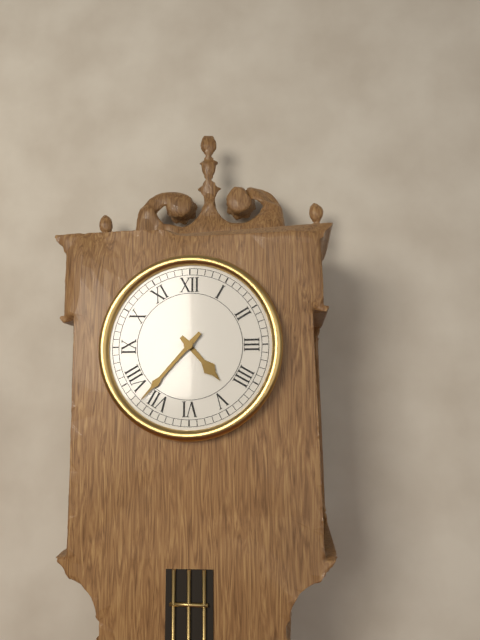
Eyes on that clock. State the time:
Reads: 4:37
